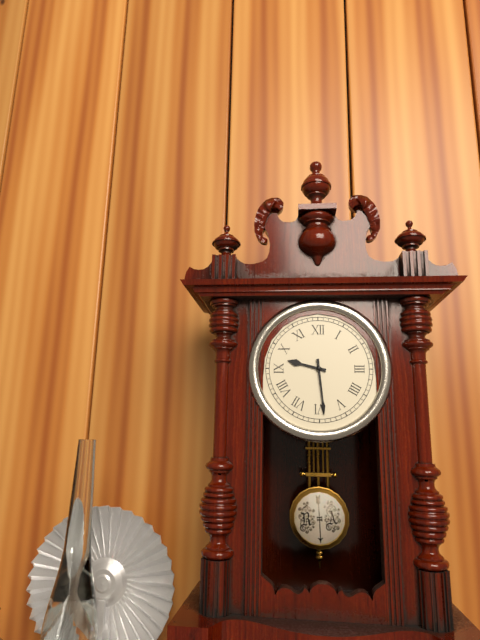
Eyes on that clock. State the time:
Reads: 9:29
